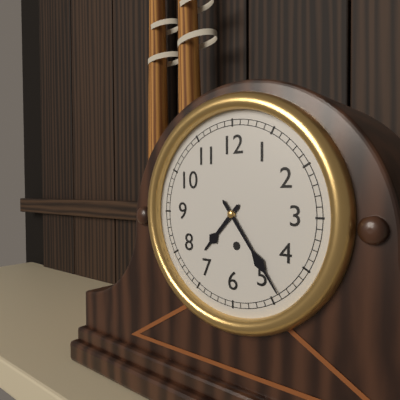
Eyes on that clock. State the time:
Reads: 7:24
